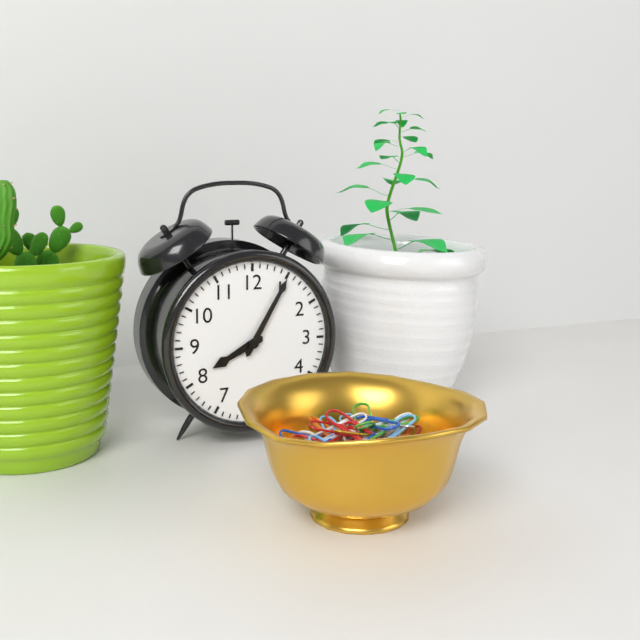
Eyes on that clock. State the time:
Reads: 8:05
